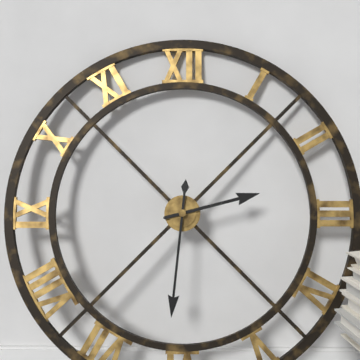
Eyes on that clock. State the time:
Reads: 2:31
